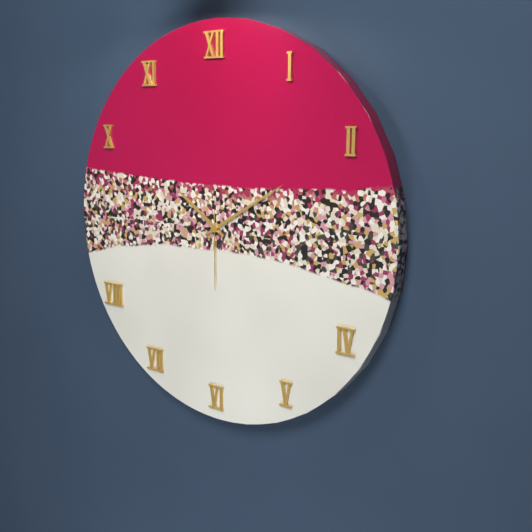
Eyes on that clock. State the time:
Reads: 10:10:30
